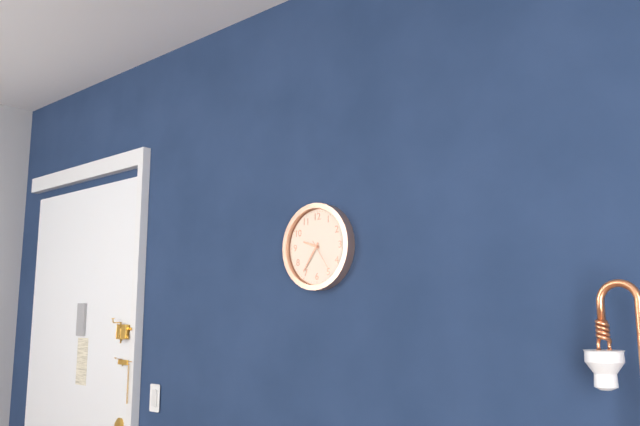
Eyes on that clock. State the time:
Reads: 9:36
